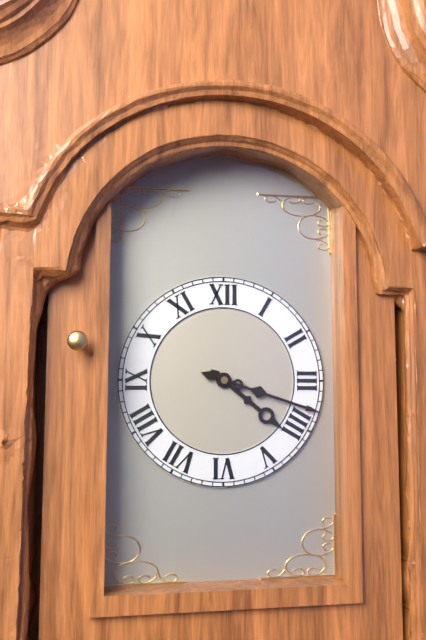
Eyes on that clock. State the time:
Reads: 4:18
